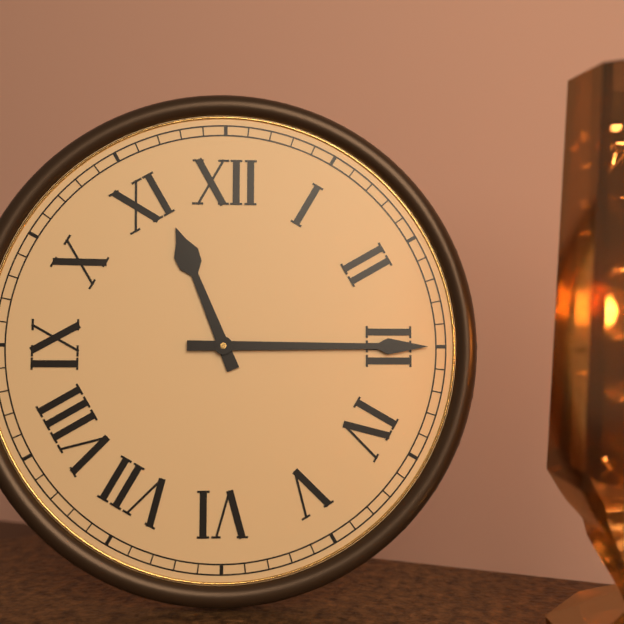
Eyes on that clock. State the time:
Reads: 11:15
